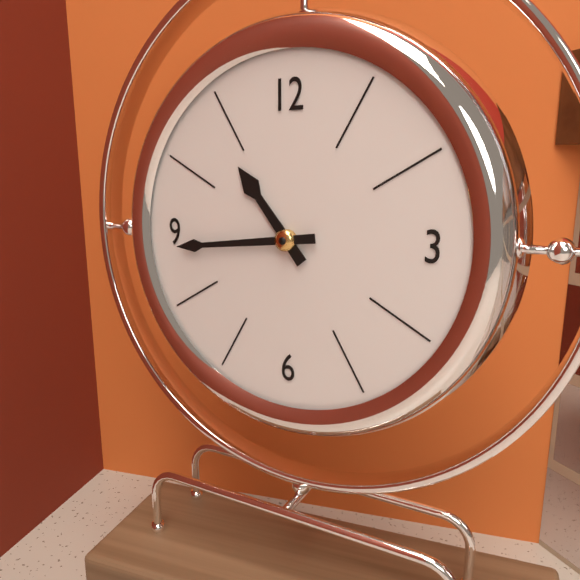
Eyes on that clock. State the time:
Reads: 10:44
